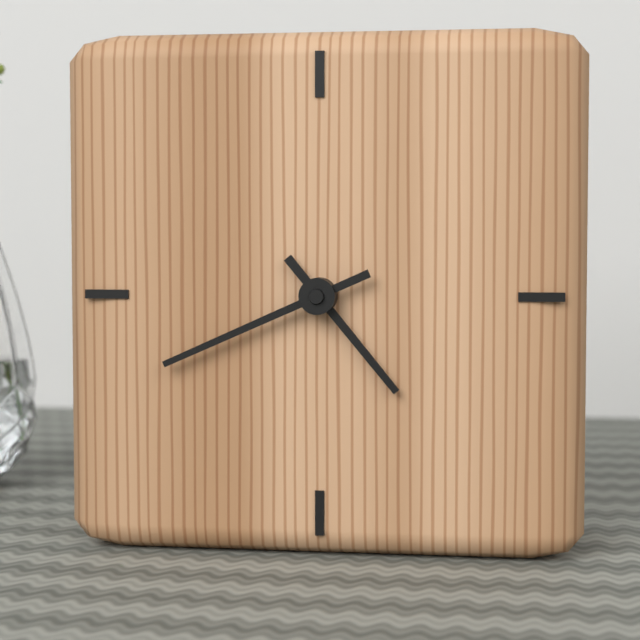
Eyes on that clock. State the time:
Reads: 4:41
